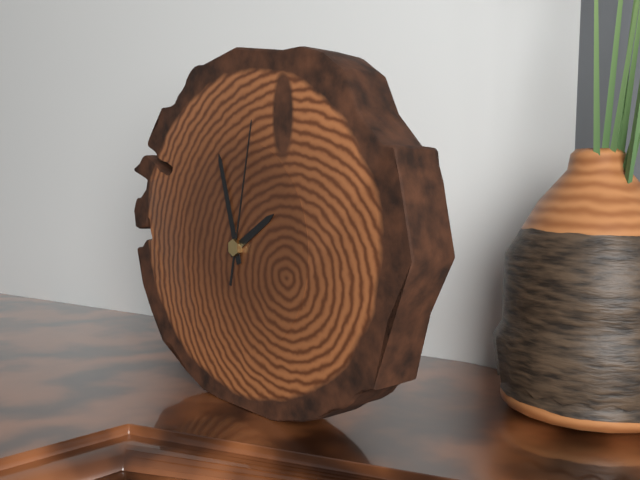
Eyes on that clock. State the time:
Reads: 1:57:02
